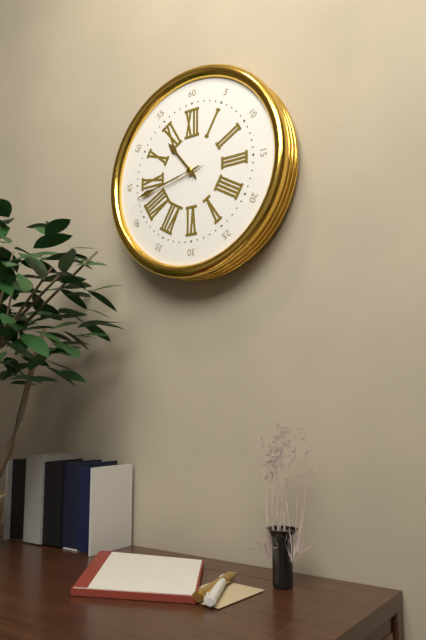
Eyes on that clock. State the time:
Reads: 10:43:42
